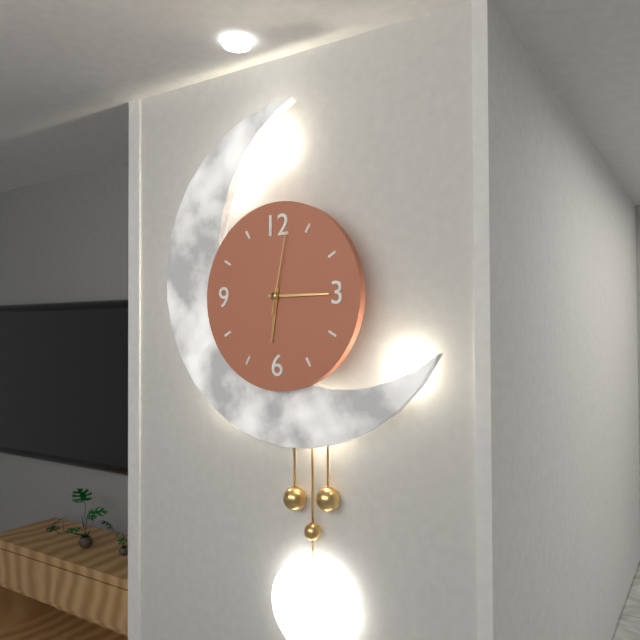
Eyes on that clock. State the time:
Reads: 6:15:02
